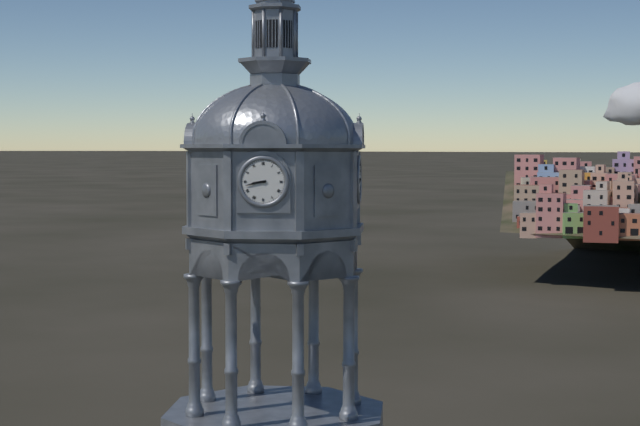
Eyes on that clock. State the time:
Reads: 8:43
